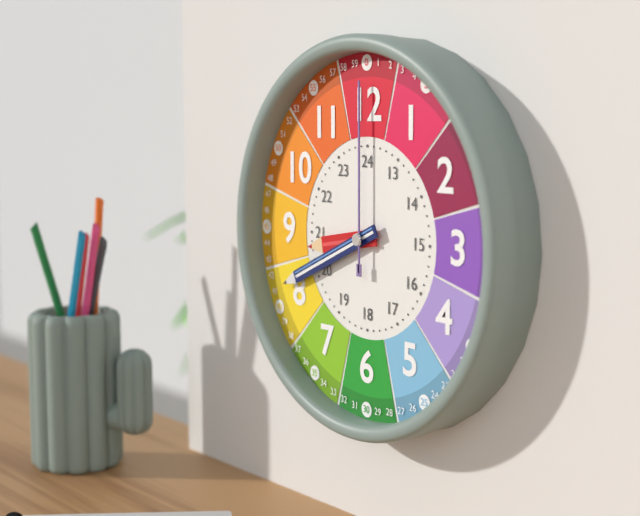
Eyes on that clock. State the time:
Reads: 8:41:00
